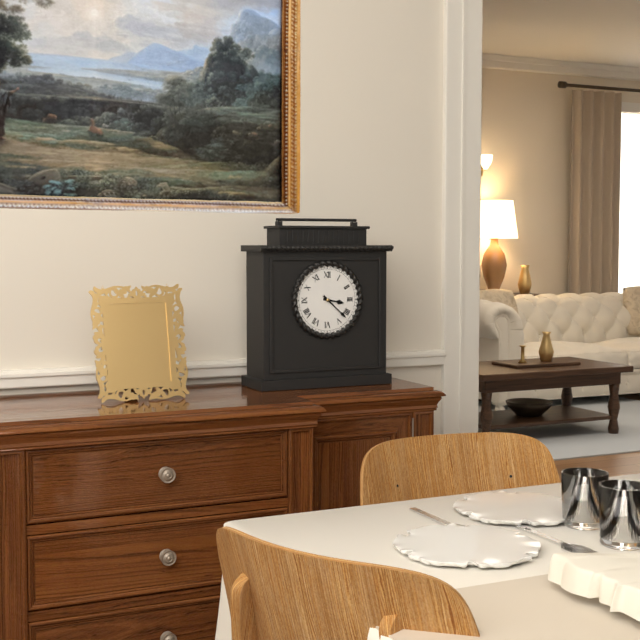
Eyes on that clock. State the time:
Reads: 3:22
